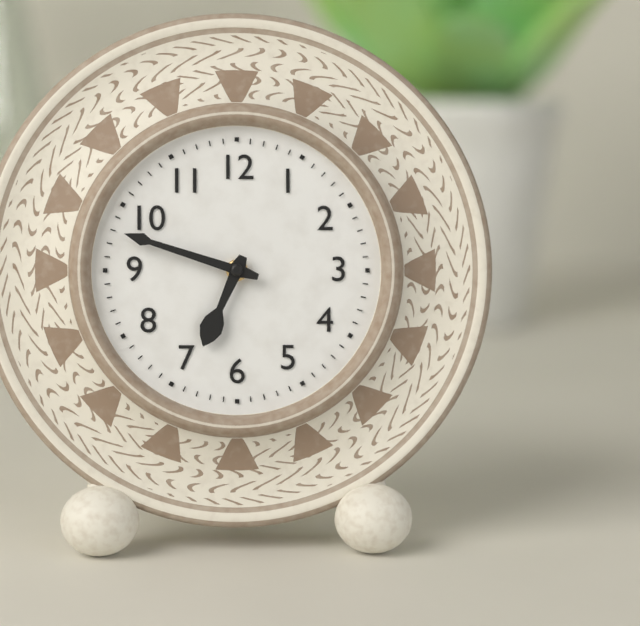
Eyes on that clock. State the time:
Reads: 6:48
